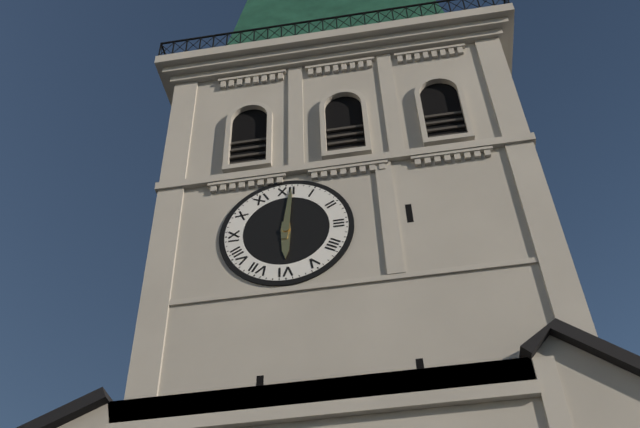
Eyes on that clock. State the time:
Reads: 6:01
